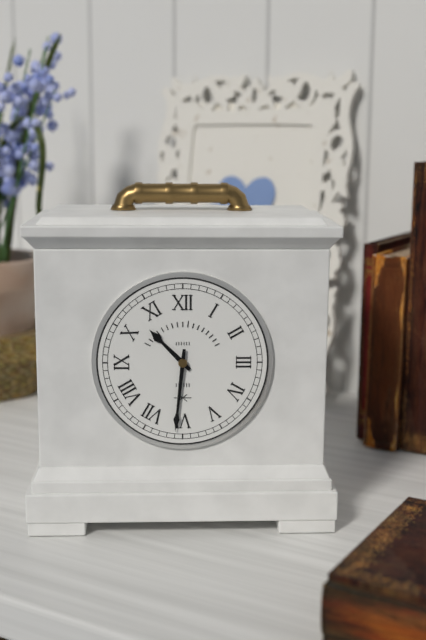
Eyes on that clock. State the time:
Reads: 10:31
